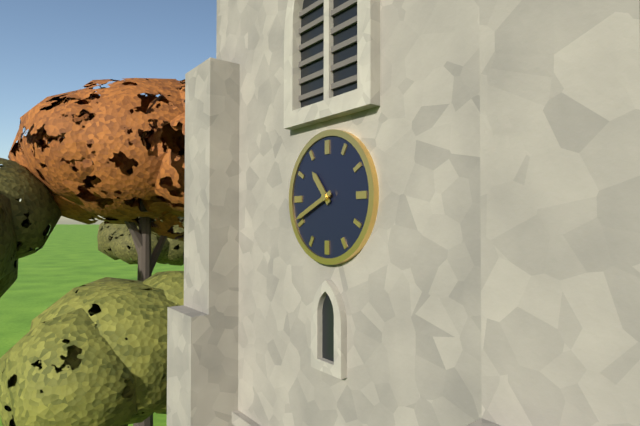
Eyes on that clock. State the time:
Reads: 10:41
